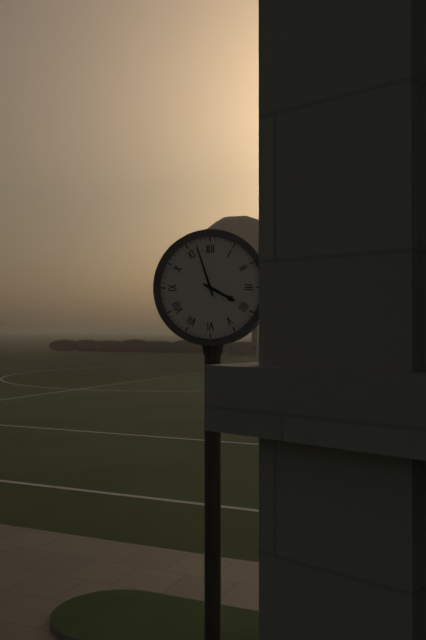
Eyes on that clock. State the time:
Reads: 3:57
